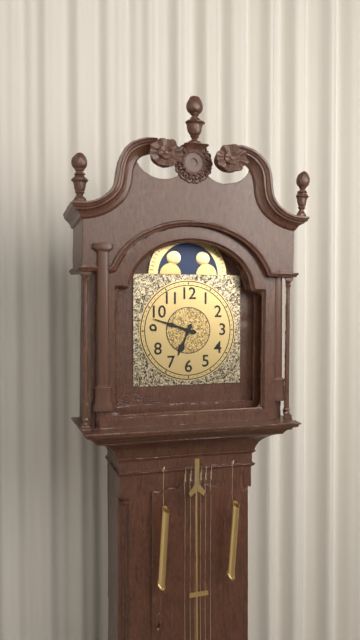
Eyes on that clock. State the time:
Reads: 6:48
